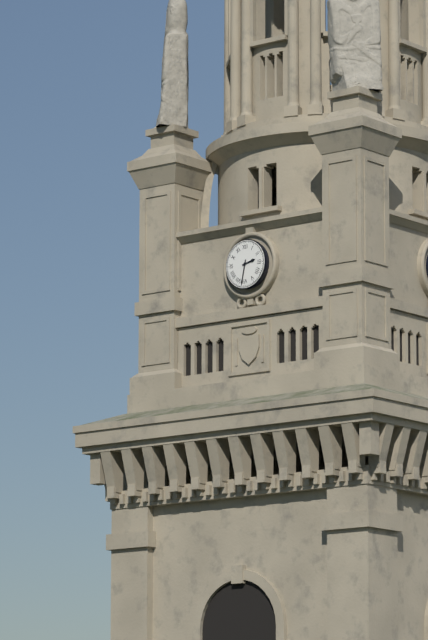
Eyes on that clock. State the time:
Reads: 2:32
